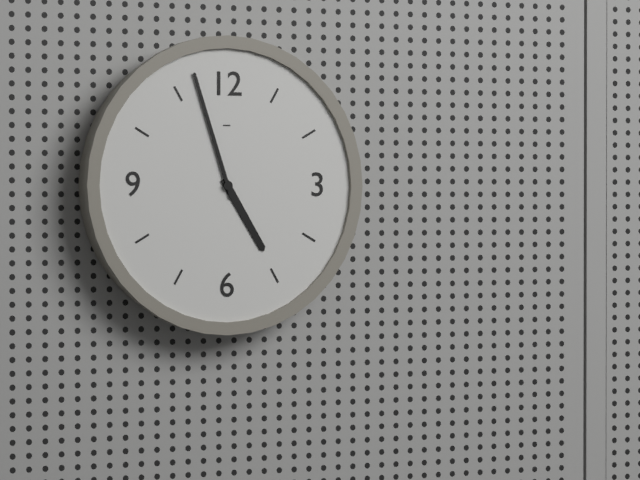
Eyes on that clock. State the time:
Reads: 4:57
